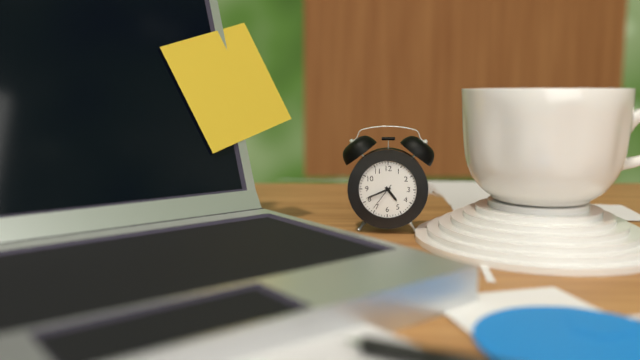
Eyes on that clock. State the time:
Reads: 4:41
